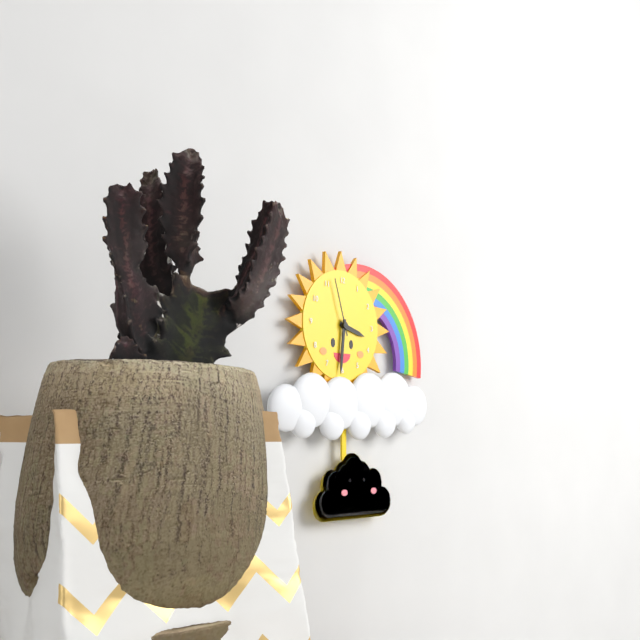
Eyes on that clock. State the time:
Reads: 3:31:57
